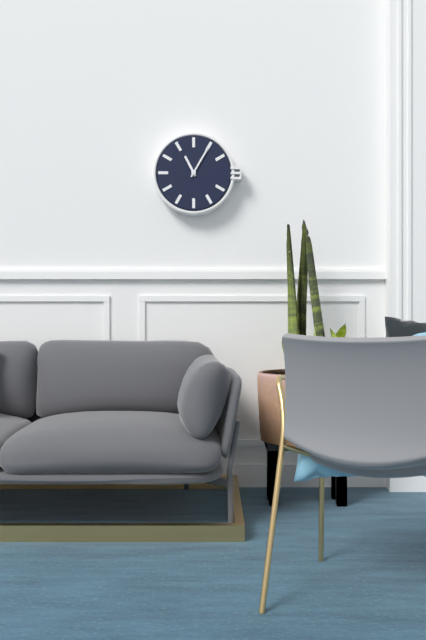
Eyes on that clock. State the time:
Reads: 11:05
